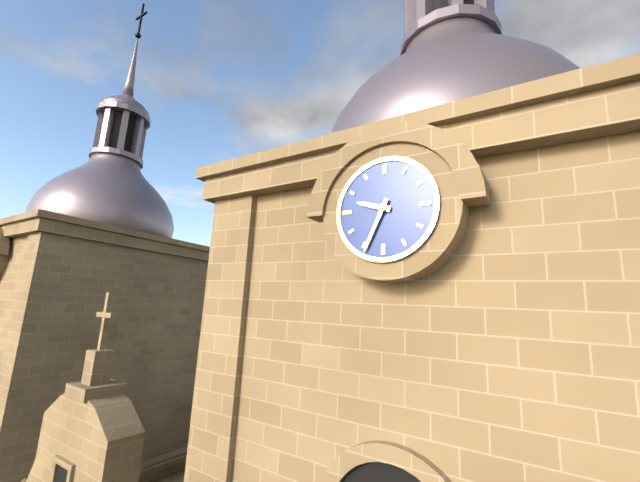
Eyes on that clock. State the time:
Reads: 9:34
